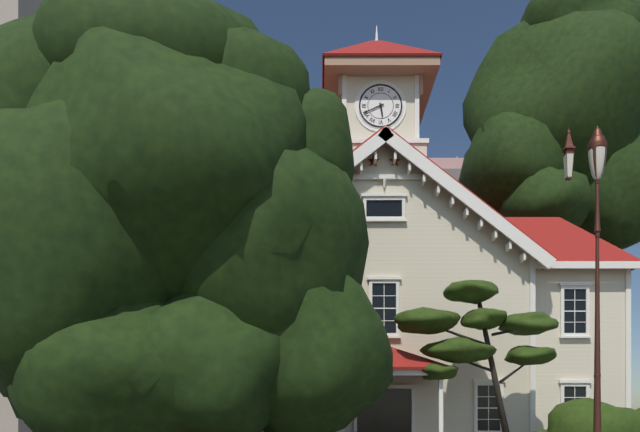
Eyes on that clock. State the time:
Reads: 5:41
